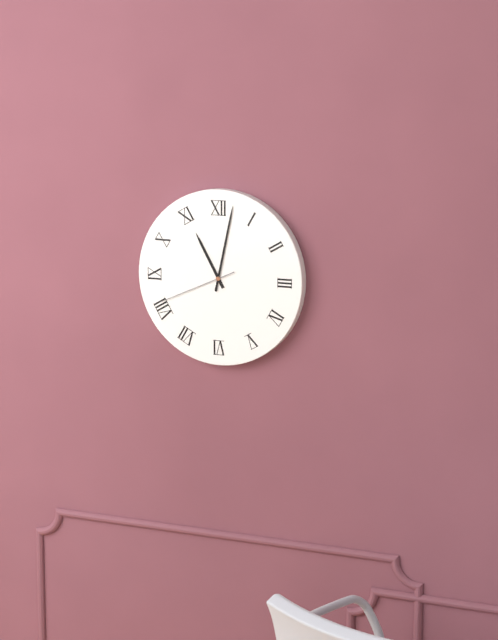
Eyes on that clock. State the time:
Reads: 11:02:41
